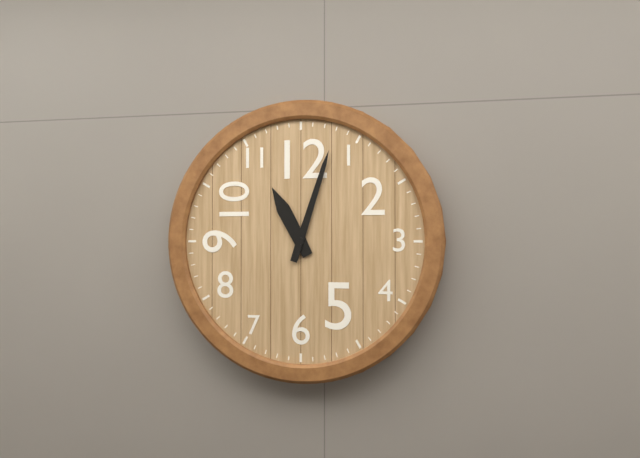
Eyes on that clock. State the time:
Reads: 11:03
